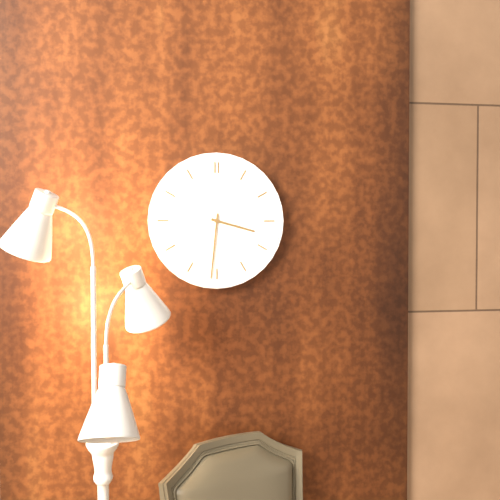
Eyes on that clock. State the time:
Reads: 3:31
